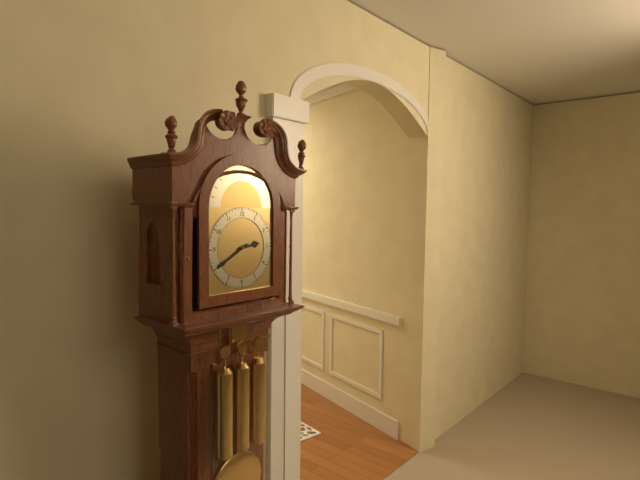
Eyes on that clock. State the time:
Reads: 2:40
